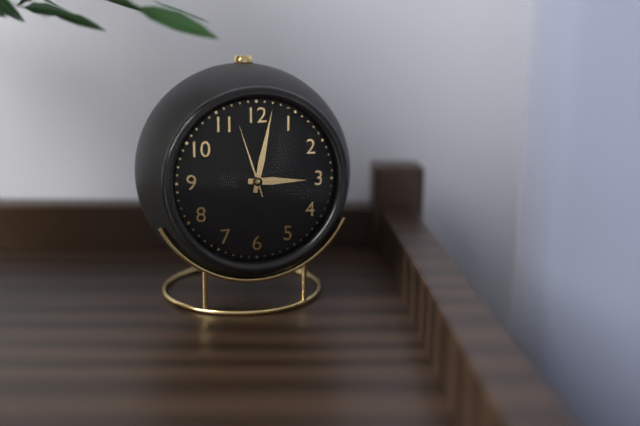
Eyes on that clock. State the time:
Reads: 3:02:57
